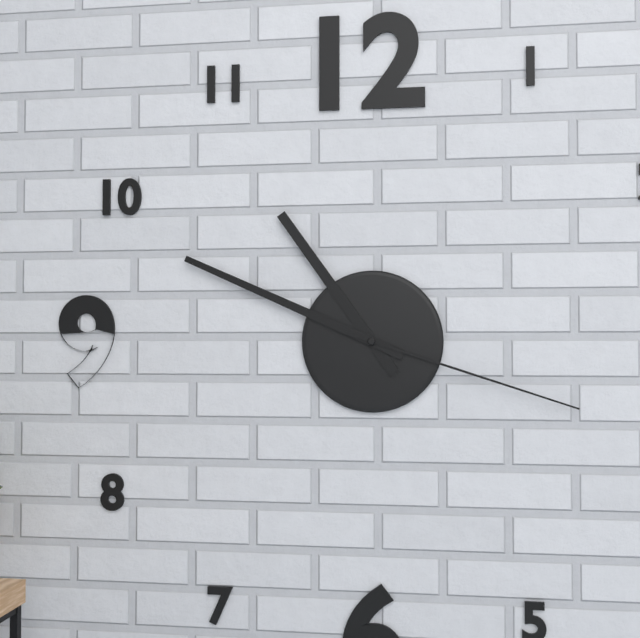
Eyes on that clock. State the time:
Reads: 10:49:18
